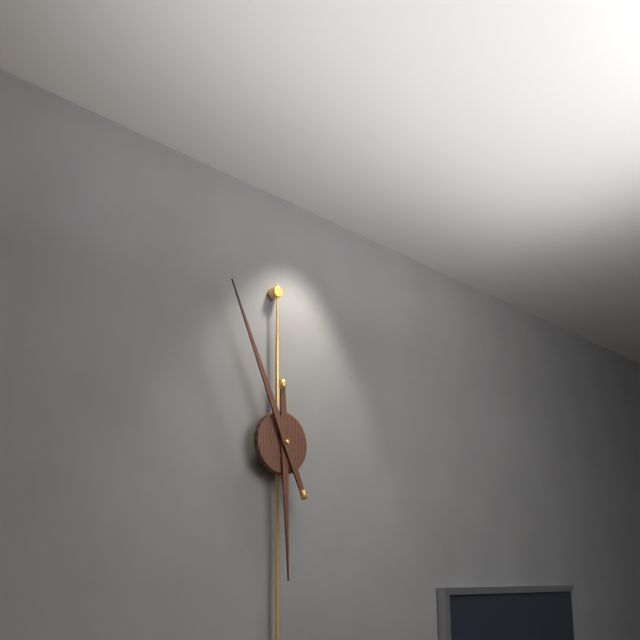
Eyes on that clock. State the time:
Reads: 5:56
